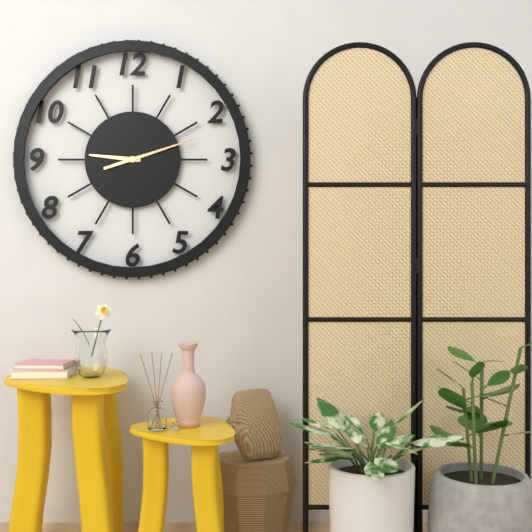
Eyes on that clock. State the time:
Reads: 9:12
